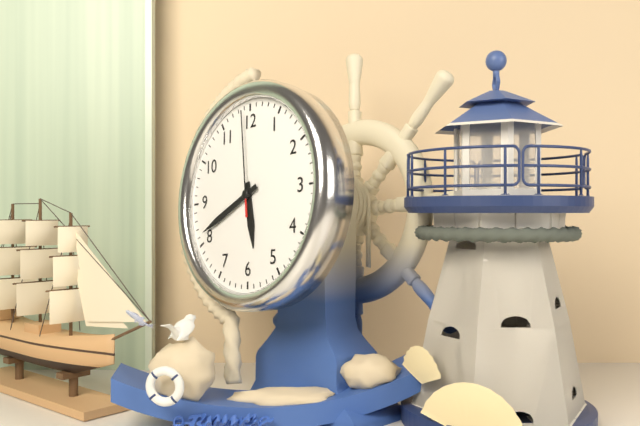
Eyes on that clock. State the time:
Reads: 5:41:59
